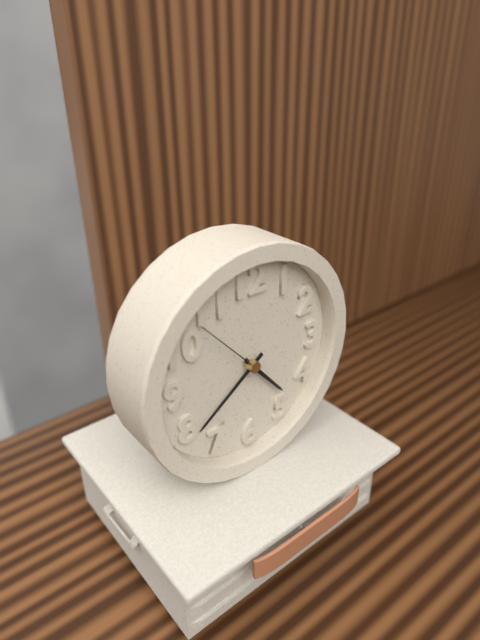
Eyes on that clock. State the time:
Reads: 4:39:53
